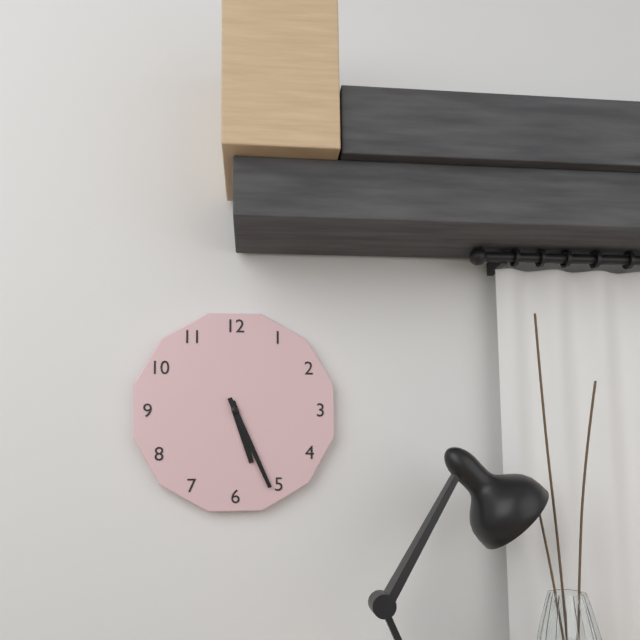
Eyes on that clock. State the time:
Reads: 5:26
